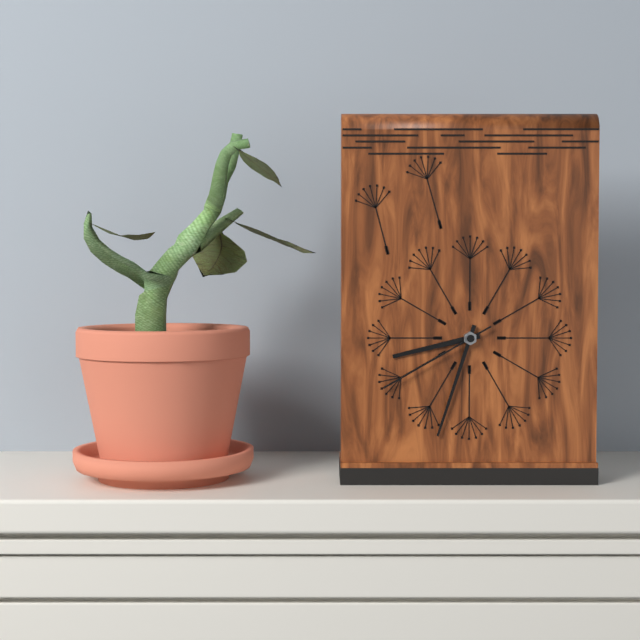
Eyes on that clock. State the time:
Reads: 8:33:40
